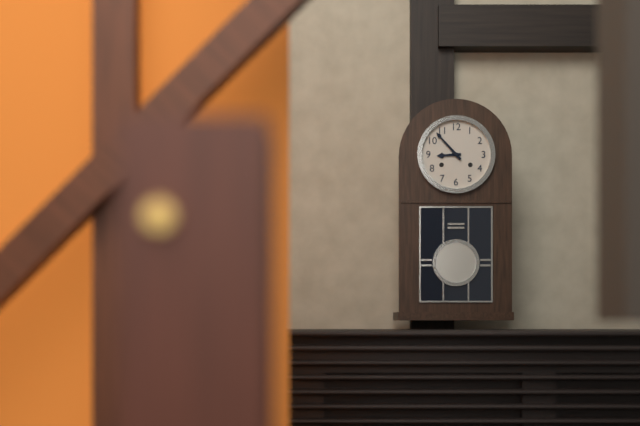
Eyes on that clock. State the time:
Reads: 8:53
